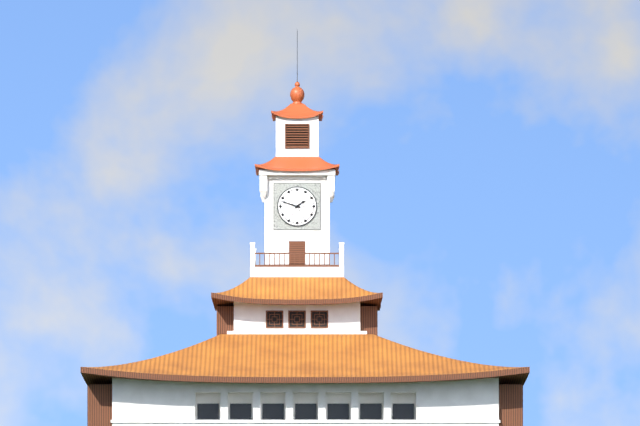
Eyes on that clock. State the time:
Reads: 1:48
